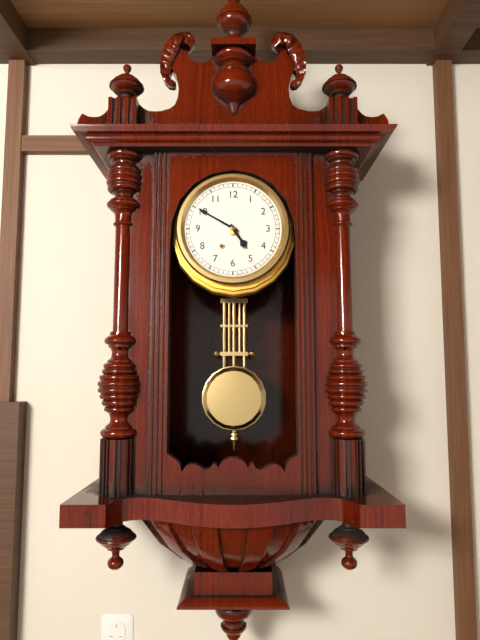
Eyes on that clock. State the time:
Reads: 4:50
